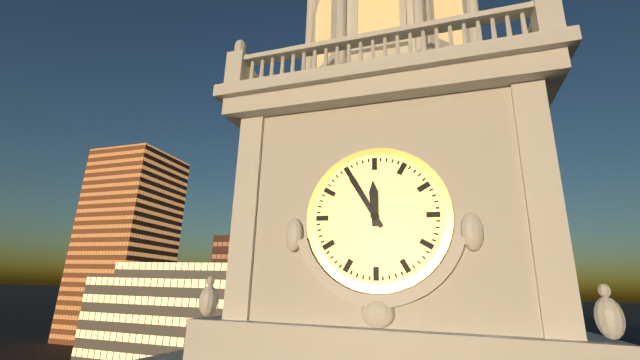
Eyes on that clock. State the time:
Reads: 11:55
